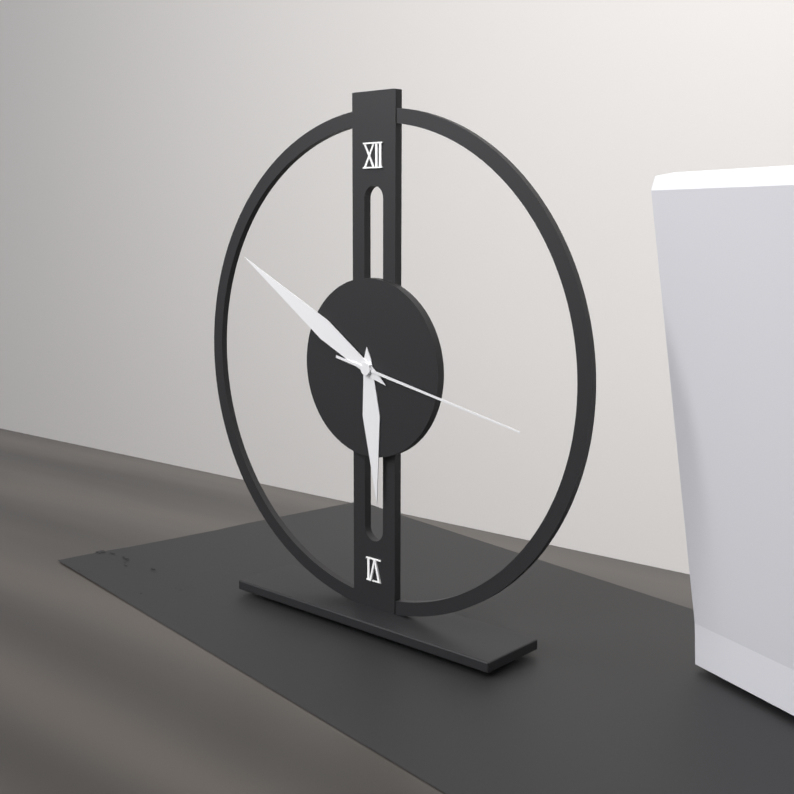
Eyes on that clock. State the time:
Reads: 5:50:17
